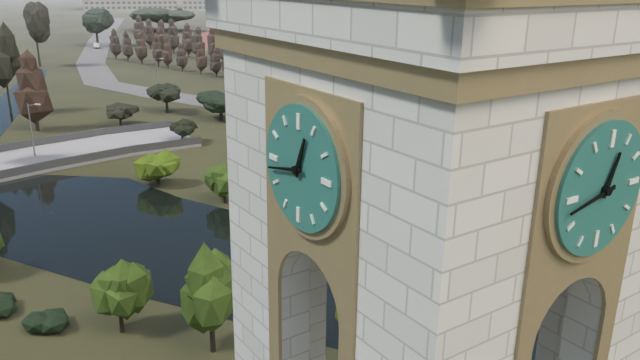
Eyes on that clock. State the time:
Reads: 12:43
